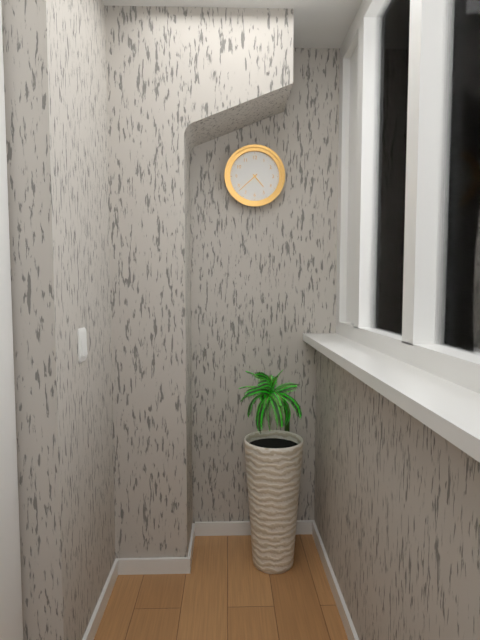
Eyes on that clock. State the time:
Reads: 4:38
